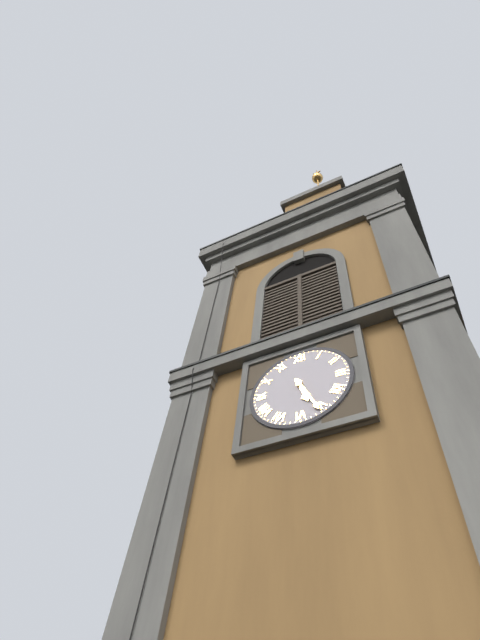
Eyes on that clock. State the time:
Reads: 5:26
